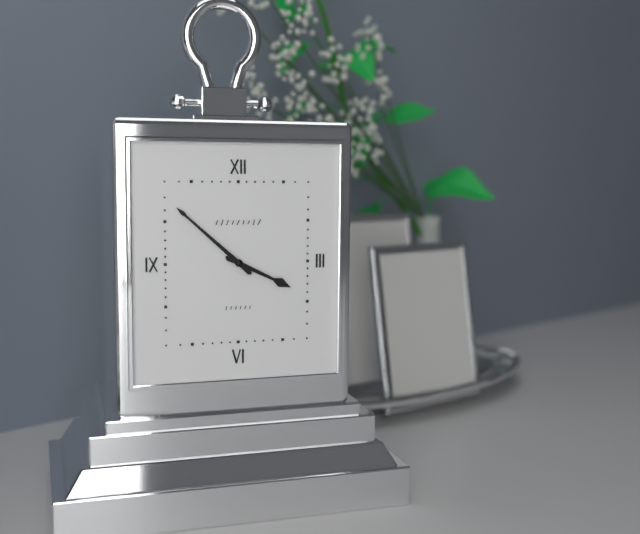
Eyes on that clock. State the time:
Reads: 3:52
